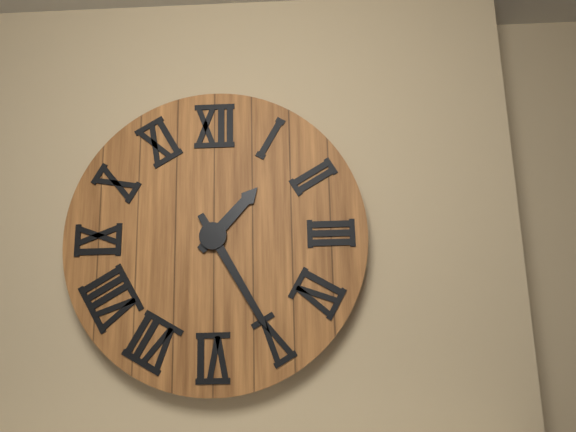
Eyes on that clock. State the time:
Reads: 1:25
